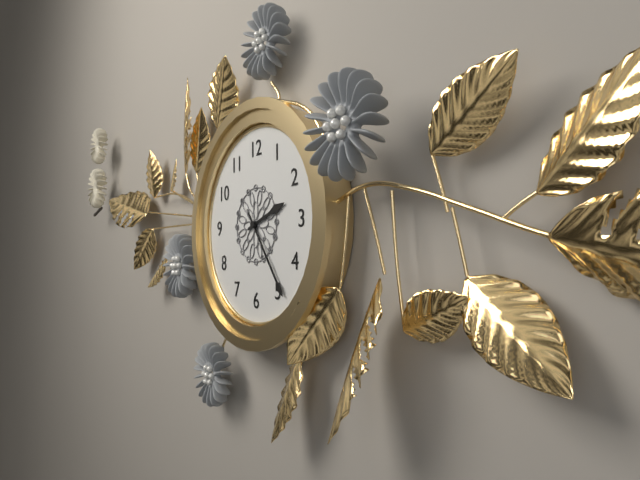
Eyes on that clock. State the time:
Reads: 2:24
